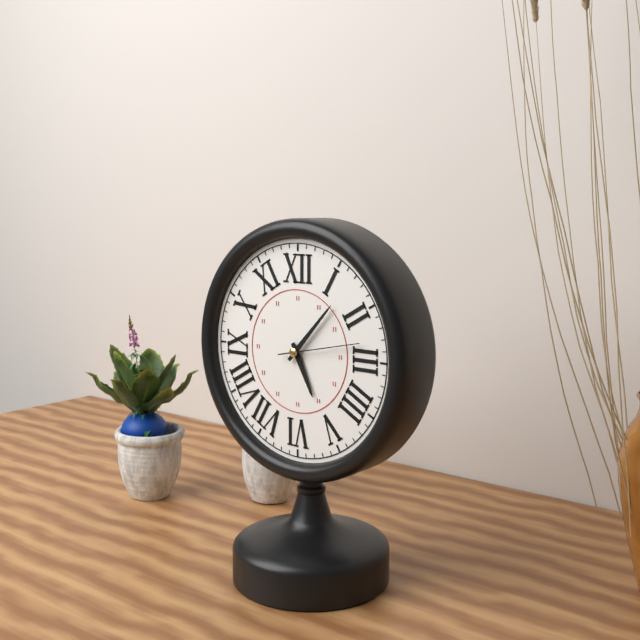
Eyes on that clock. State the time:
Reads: 5:07:13
